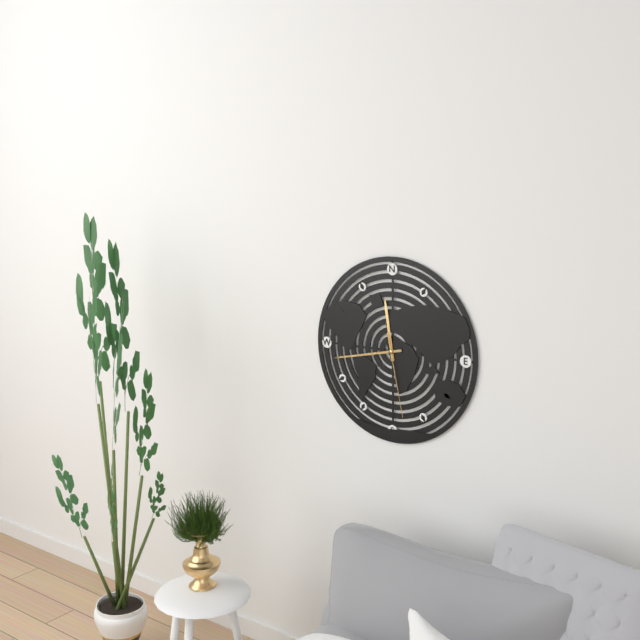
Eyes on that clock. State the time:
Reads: 11:43:28
